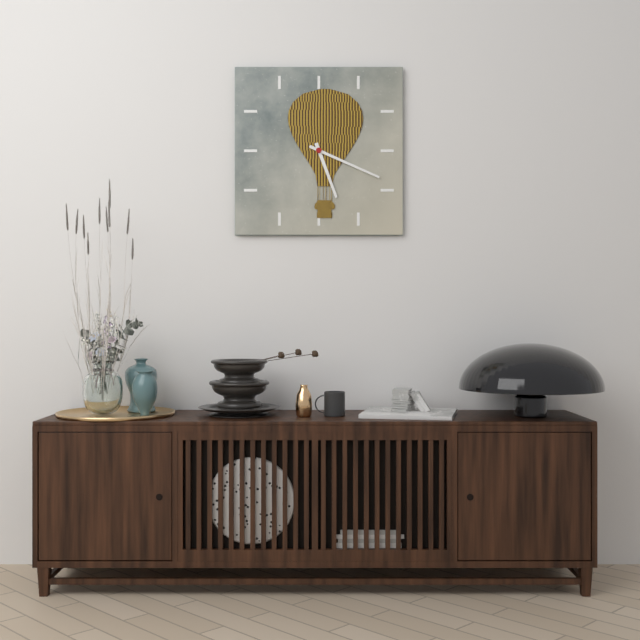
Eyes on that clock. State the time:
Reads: 5:19
